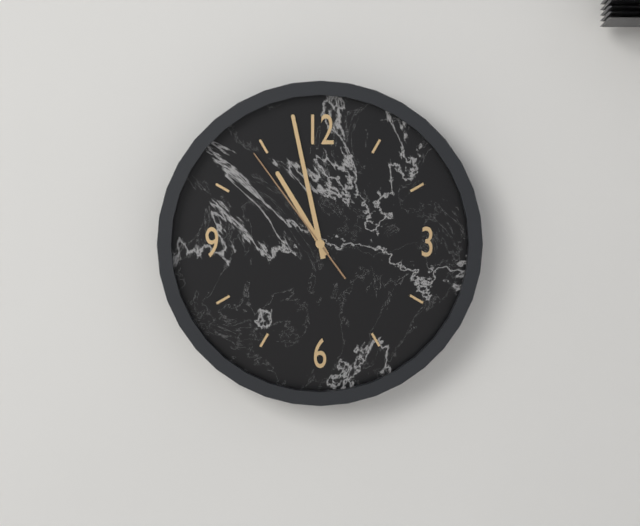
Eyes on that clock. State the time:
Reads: 10:58:54
